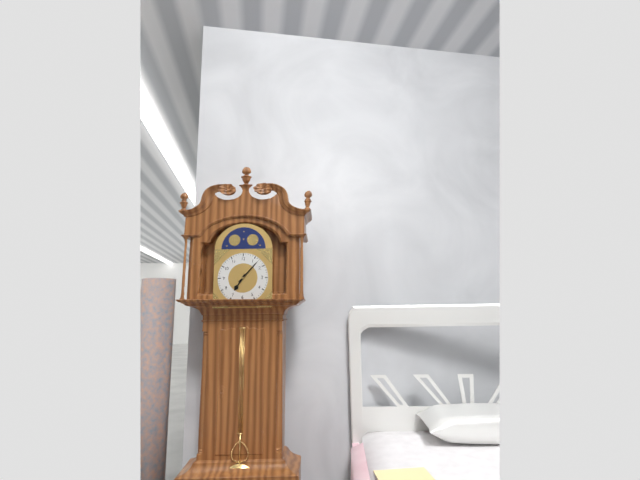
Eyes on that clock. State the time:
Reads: 7:07
